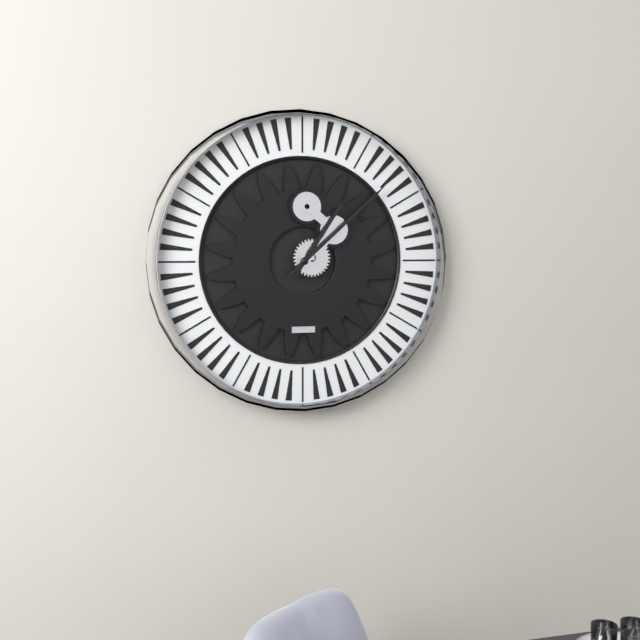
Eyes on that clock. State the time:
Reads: 1:08
